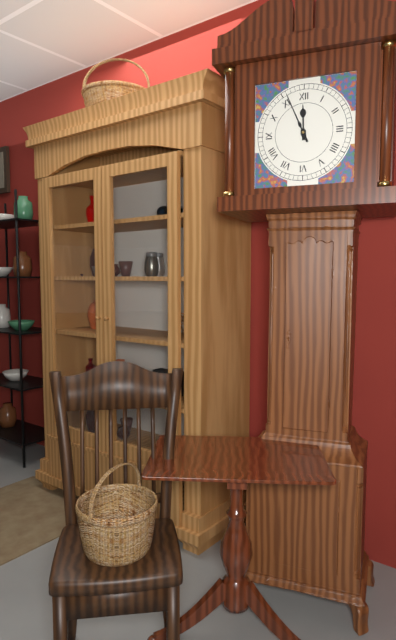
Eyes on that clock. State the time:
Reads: 11:56
